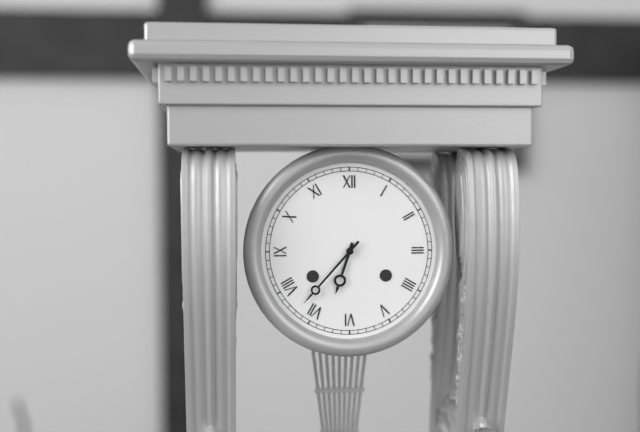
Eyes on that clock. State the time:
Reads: 6:37
